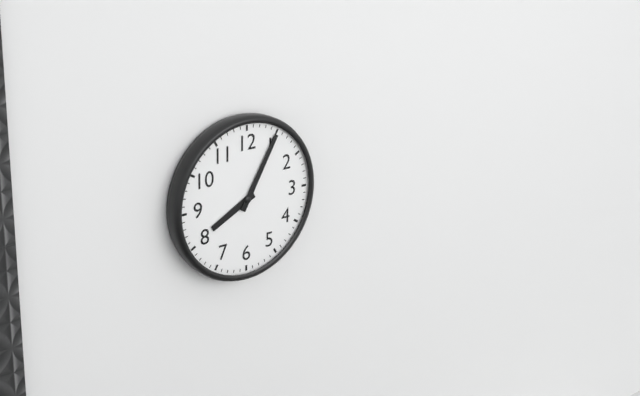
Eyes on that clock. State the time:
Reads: 8:05
